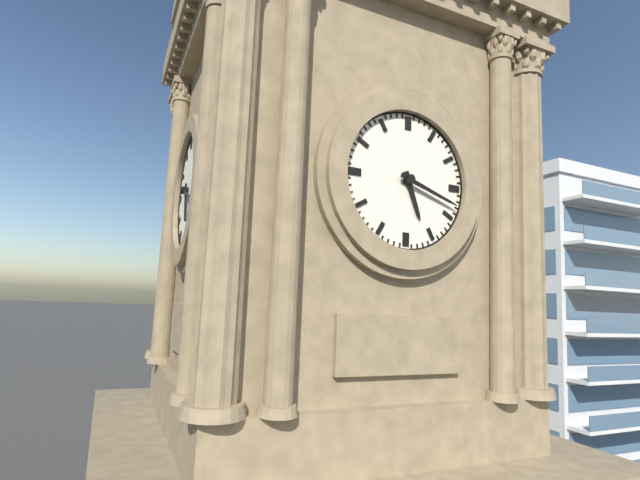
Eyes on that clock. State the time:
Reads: 5:18
